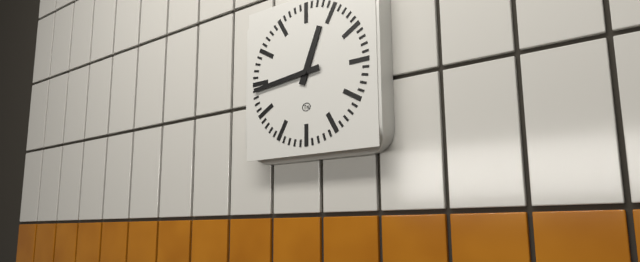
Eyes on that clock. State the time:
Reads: 12:44
